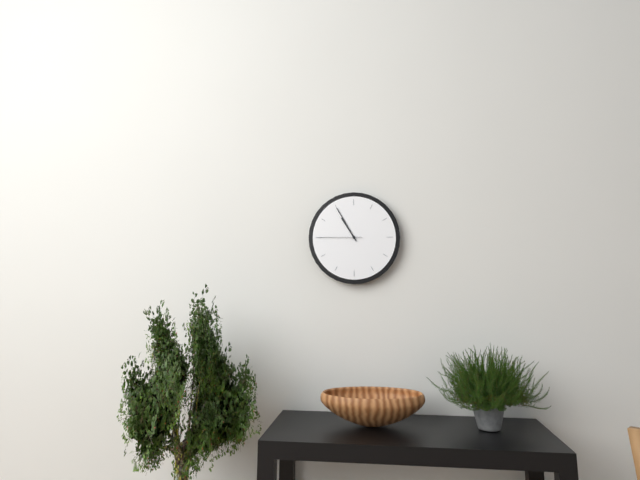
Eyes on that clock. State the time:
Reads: 10:55
